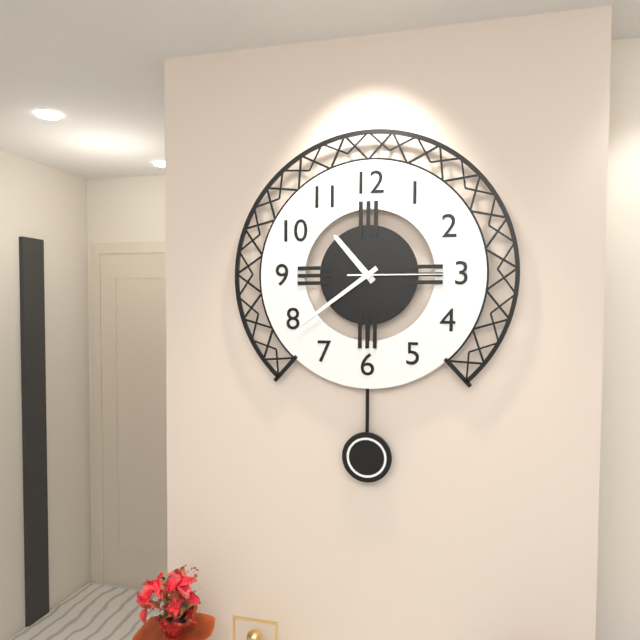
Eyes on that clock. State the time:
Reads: 10:39:15
